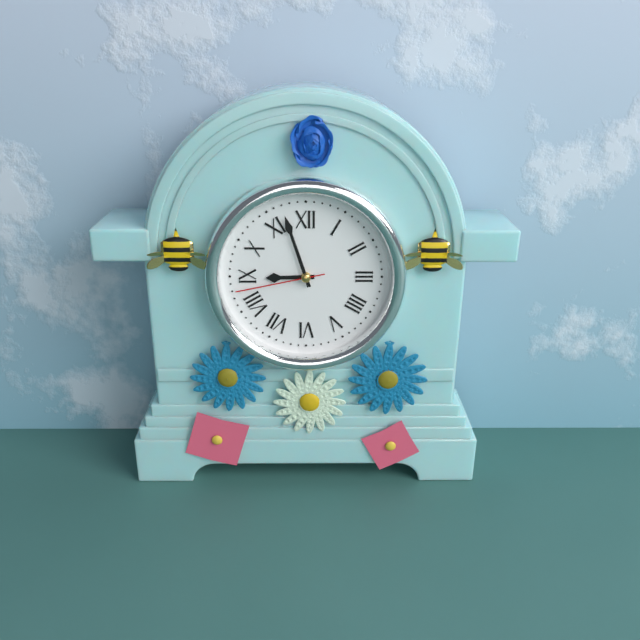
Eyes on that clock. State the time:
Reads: 8:57:43
